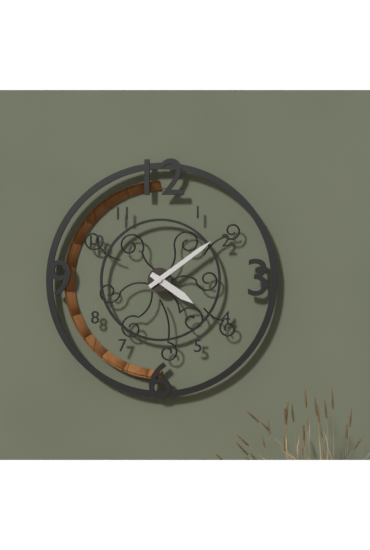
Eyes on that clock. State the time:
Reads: 4:09
